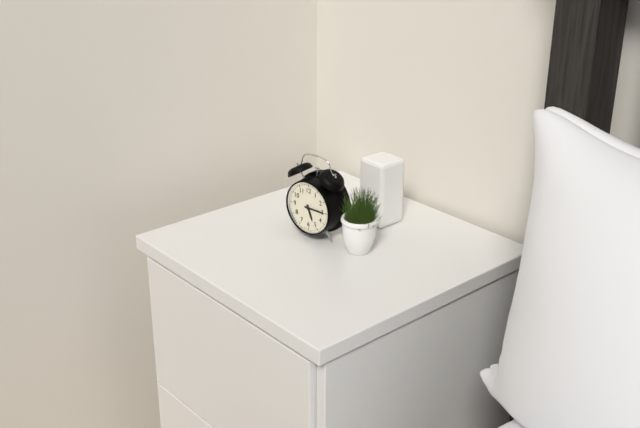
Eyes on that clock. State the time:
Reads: 5:15
